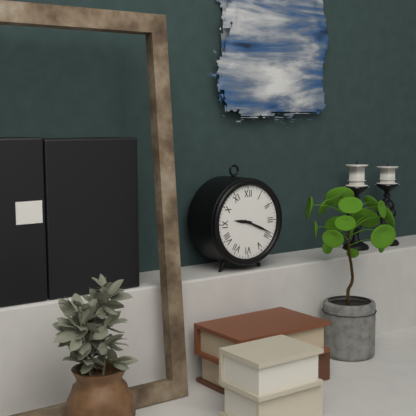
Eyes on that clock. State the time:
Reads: 9:19
